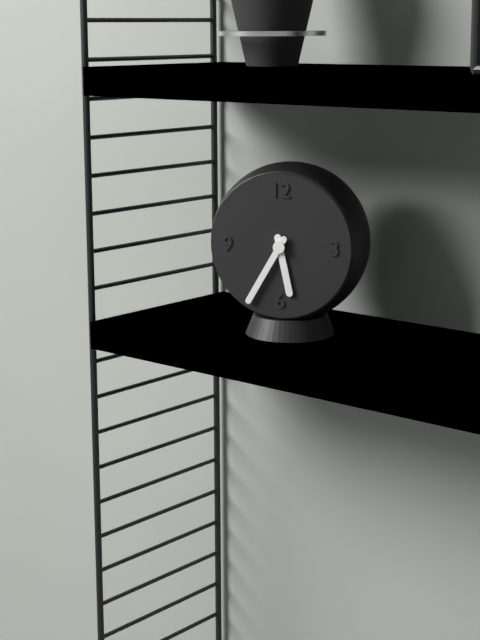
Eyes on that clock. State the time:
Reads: 5:35
